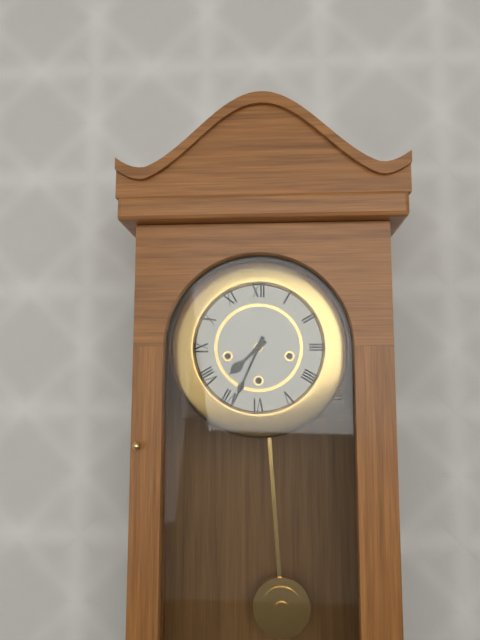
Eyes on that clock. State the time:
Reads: 7:34
